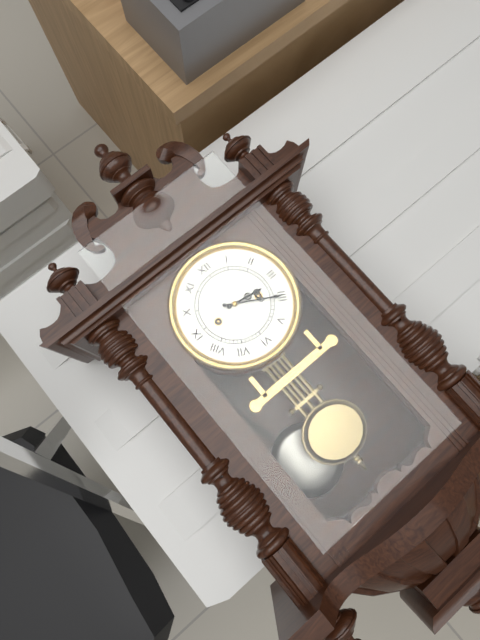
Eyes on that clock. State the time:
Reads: 3:20
